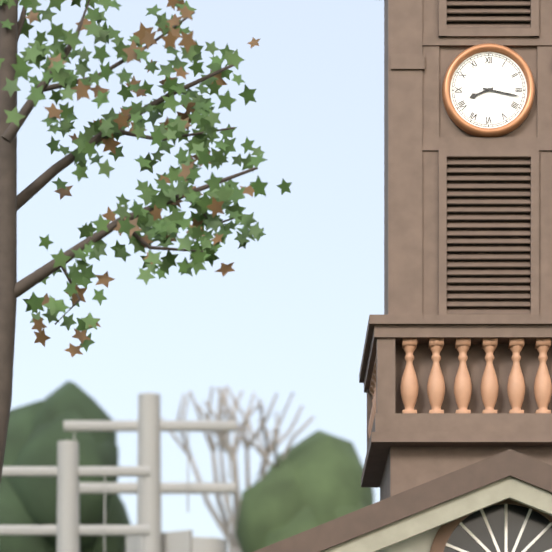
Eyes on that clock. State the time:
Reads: 8:17
